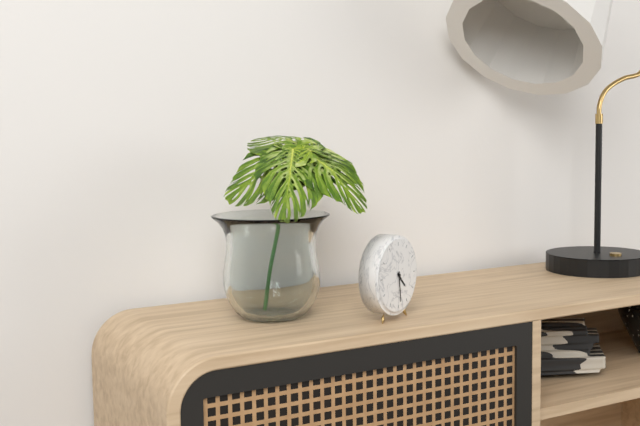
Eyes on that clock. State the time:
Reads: 4:29
